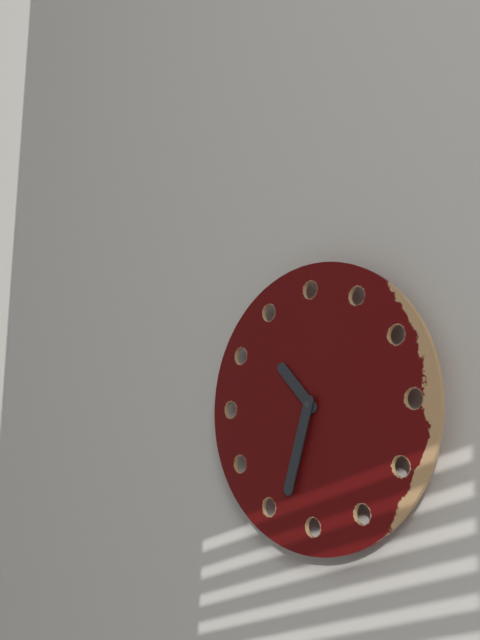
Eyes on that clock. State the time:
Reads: 10:33
